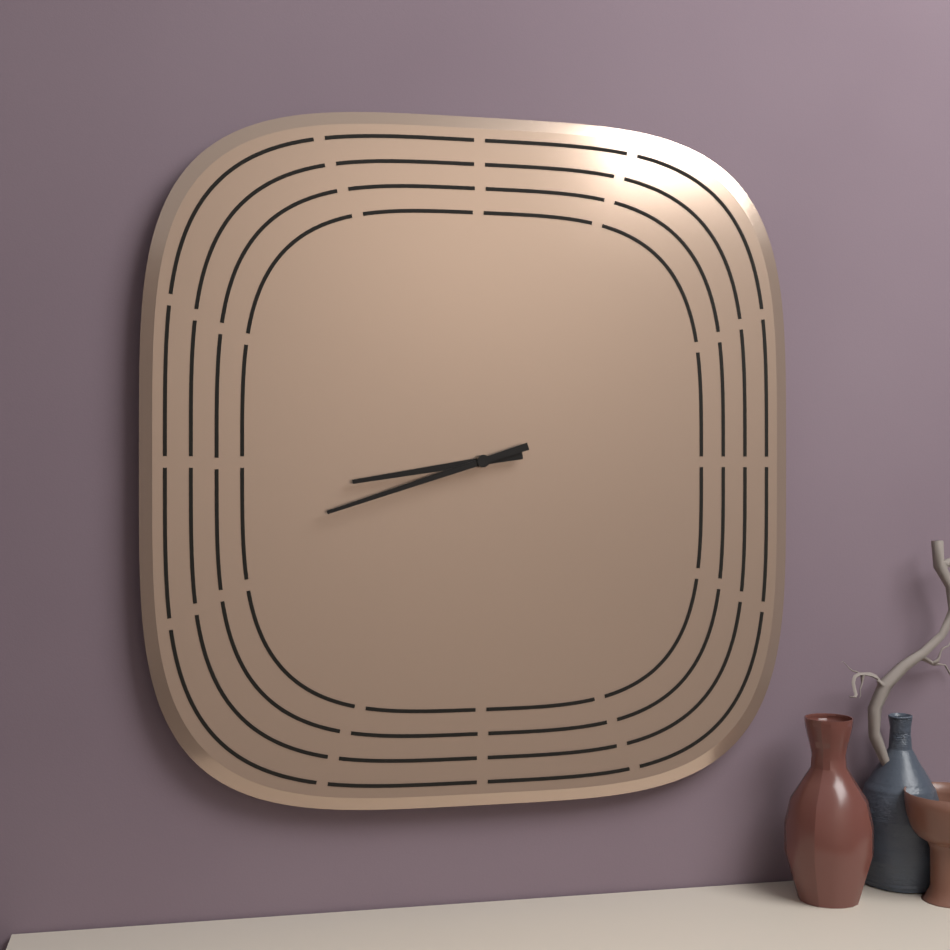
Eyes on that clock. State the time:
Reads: 8:42
